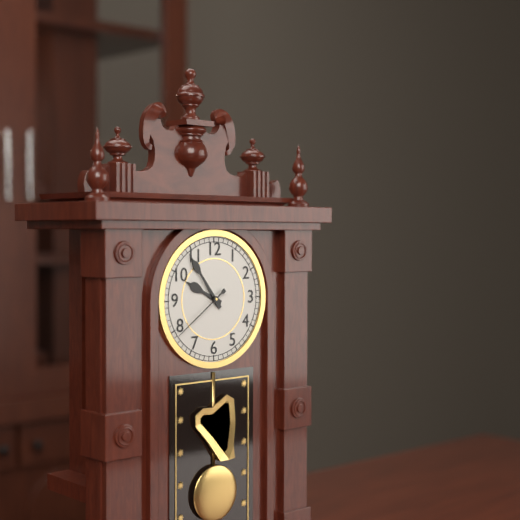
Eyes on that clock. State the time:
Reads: 9:54:39
